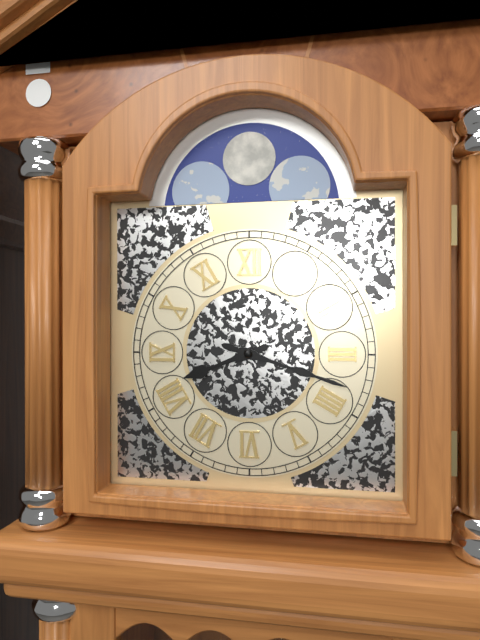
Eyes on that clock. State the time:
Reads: 8:18
